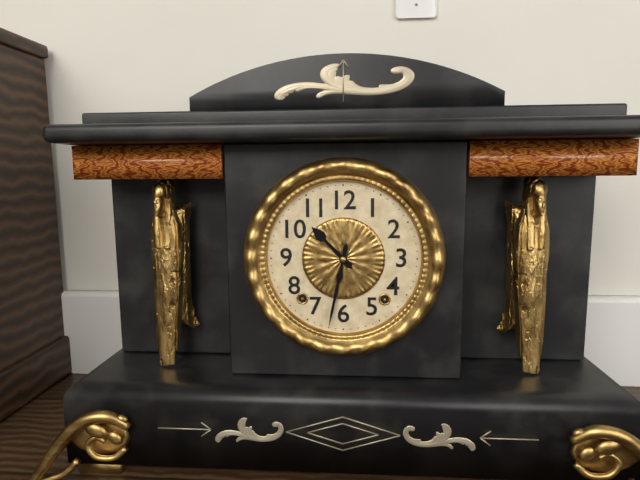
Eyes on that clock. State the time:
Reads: 10:32
